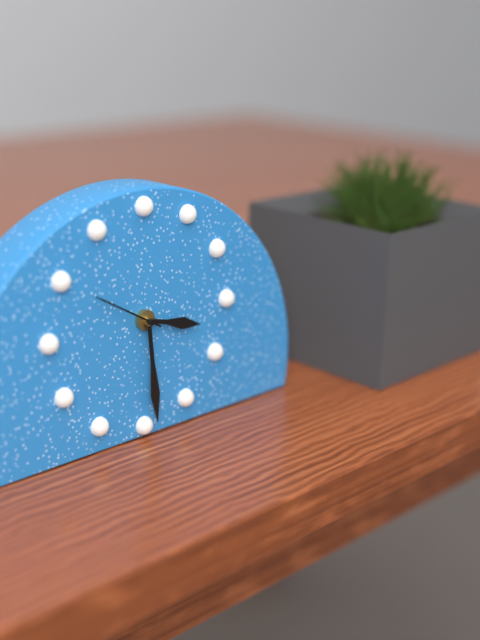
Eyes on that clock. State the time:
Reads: 3:29:50
